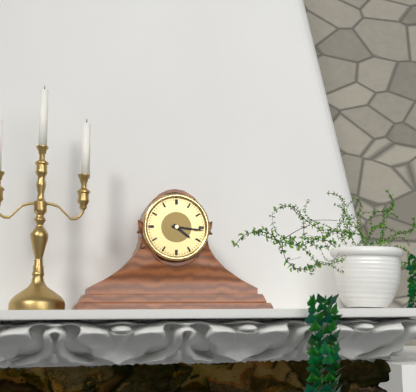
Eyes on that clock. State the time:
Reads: 4:16
